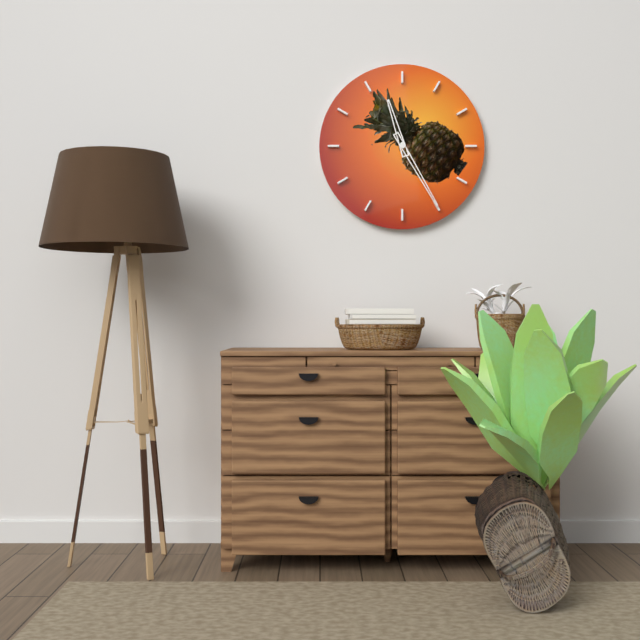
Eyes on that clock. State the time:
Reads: 11:25
